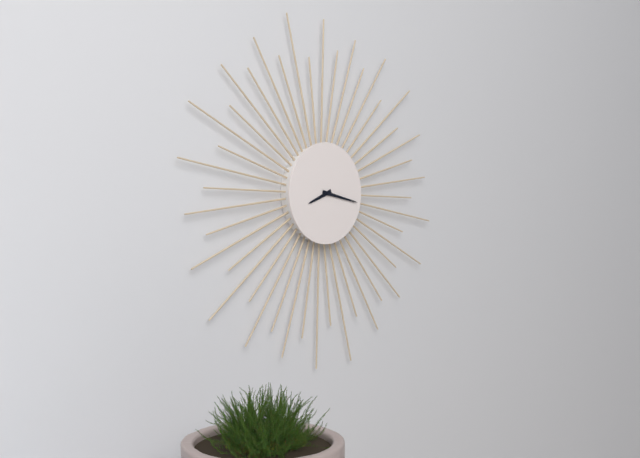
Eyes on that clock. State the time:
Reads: 8:17
